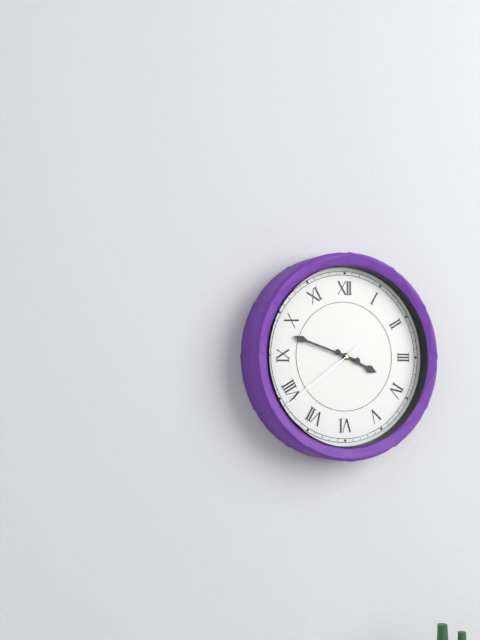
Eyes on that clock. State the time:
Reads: 3:48:39
